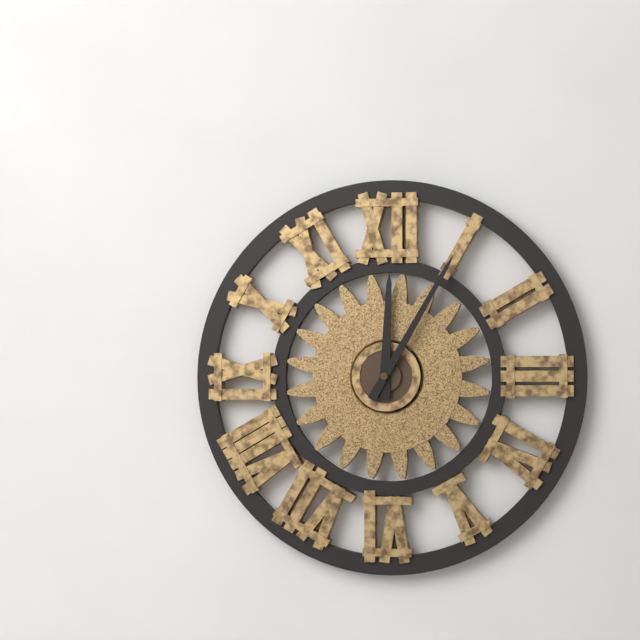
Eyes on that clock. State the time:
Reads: 12:05
